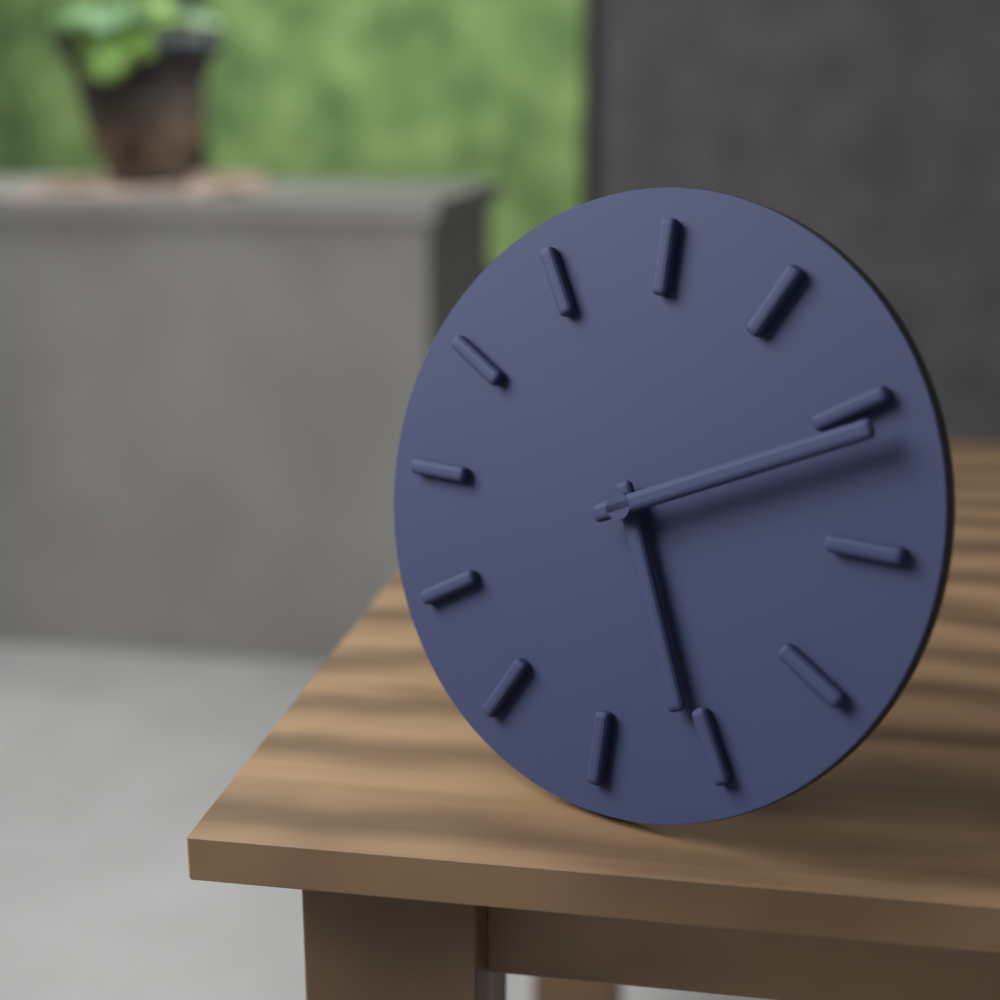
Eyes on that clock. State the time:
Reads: 5:11
